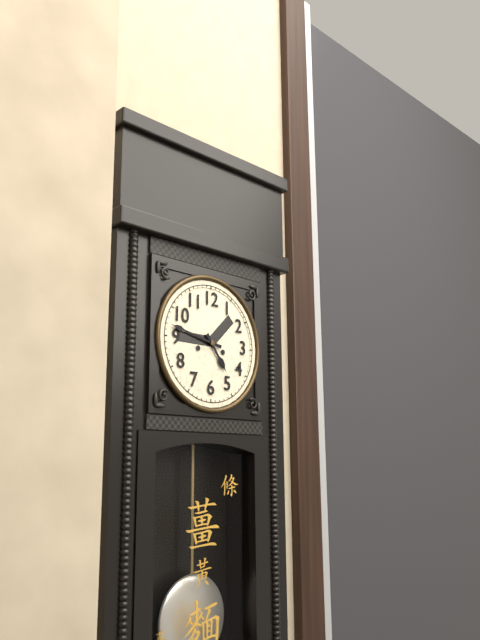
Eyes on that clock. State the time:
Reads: 4:47
